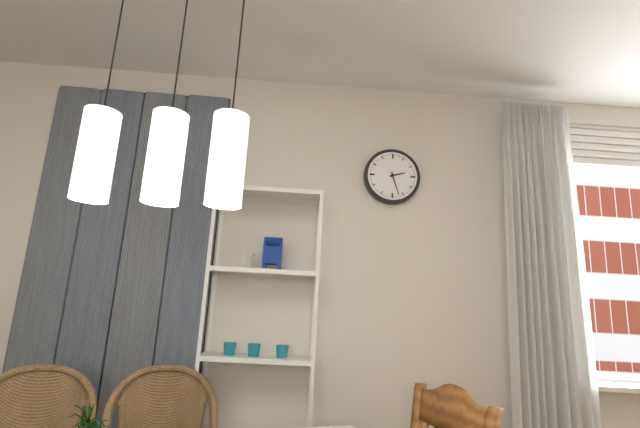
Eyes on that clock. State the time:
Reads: 2:27
